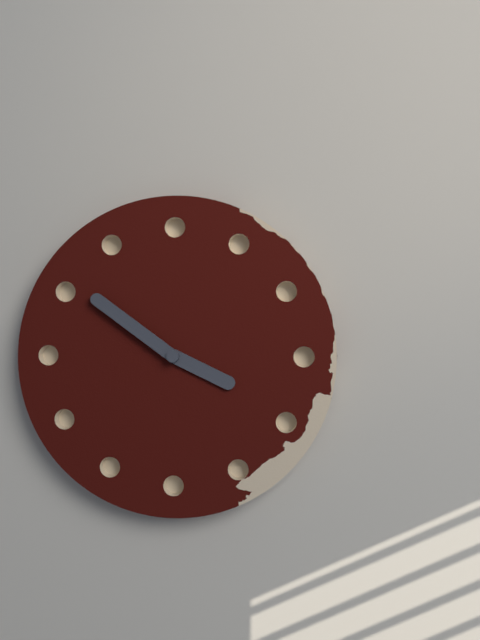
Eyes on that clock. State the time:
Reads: 3:51
